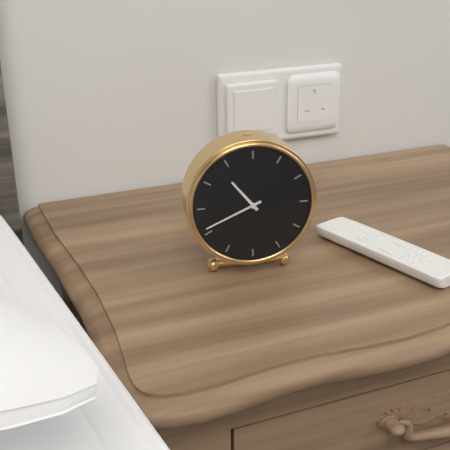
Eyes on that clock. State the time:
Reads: 10:41
